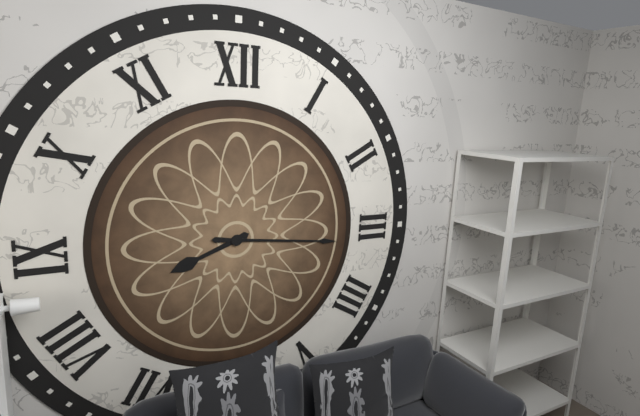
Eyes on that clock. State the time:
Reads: 8:16
